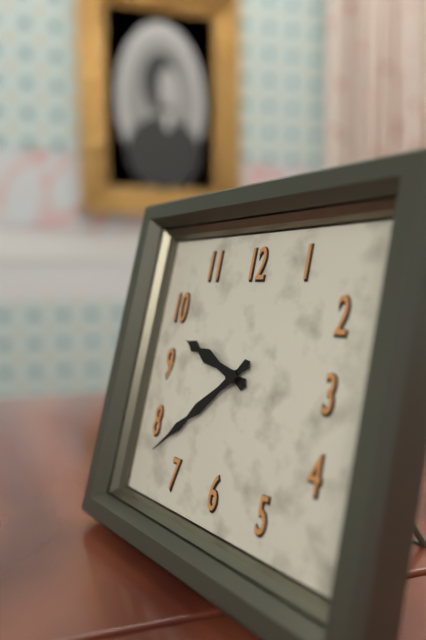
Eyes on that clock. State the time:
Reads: 9:38
